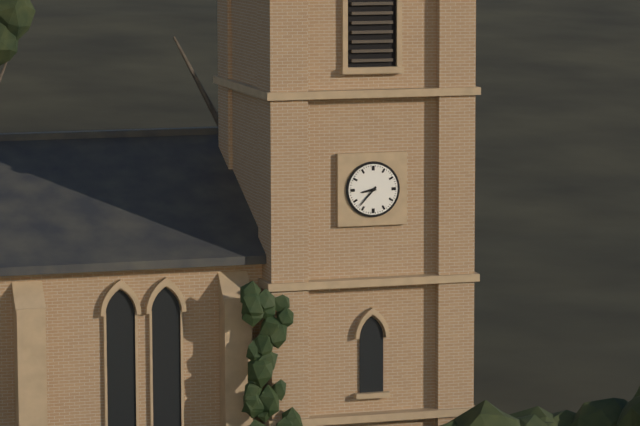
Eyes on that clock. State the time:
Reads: 8:37
